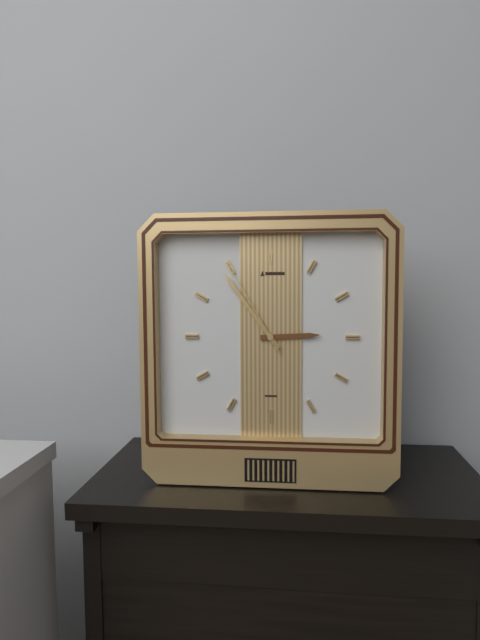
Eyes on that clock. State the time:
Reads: 2:54:55
